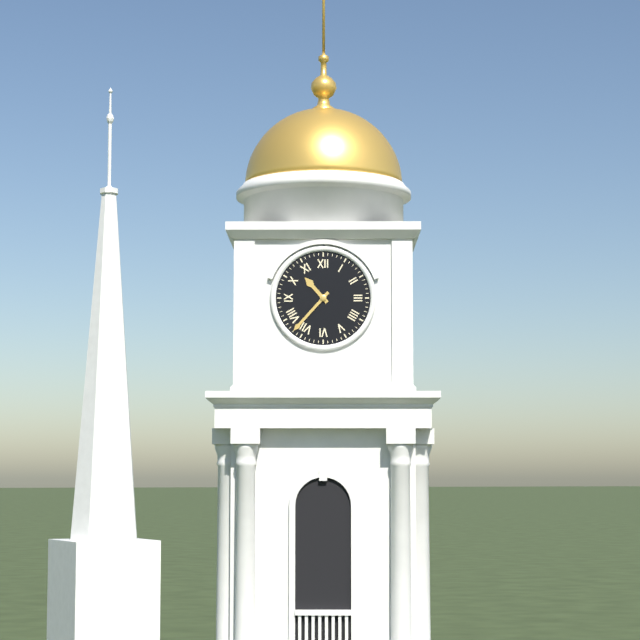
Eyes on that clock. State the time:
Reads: 10:37
